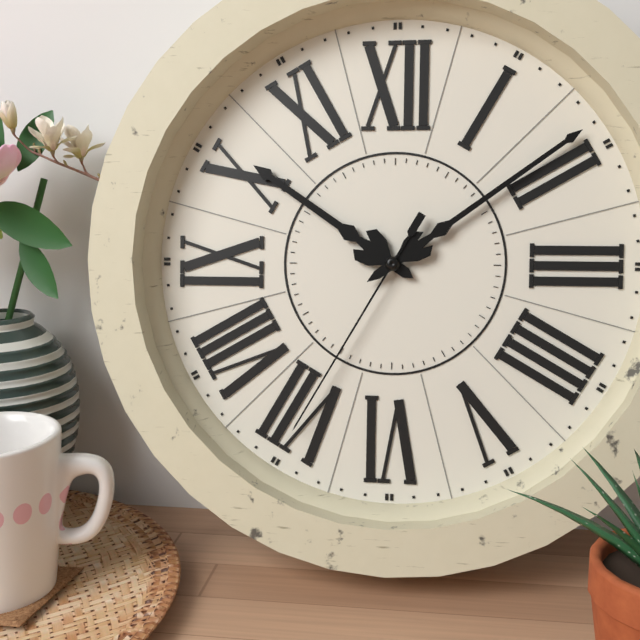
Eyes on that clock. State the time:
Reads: 10:09:35
